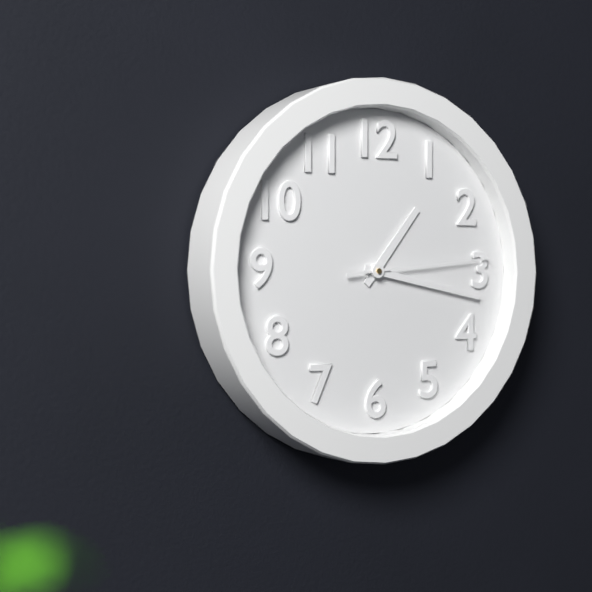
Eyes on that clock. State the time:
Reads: 1:17:14
